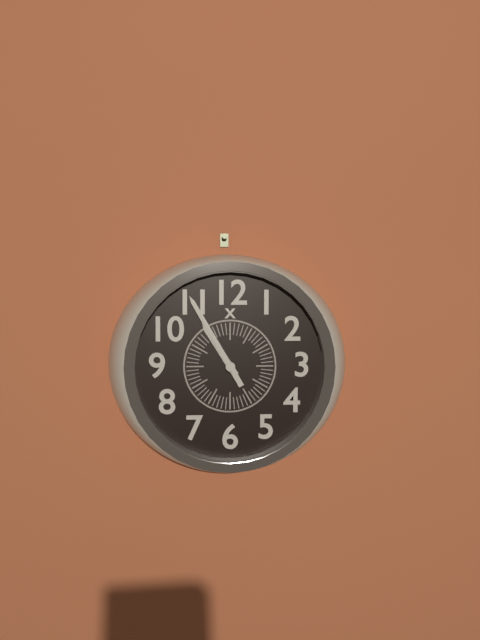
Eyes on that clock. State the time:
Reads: 10:55
